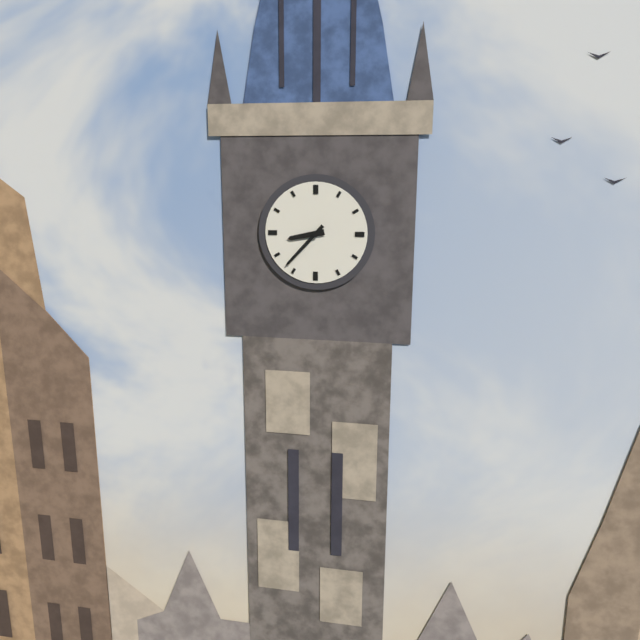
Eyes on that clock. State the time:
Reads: 8:37
